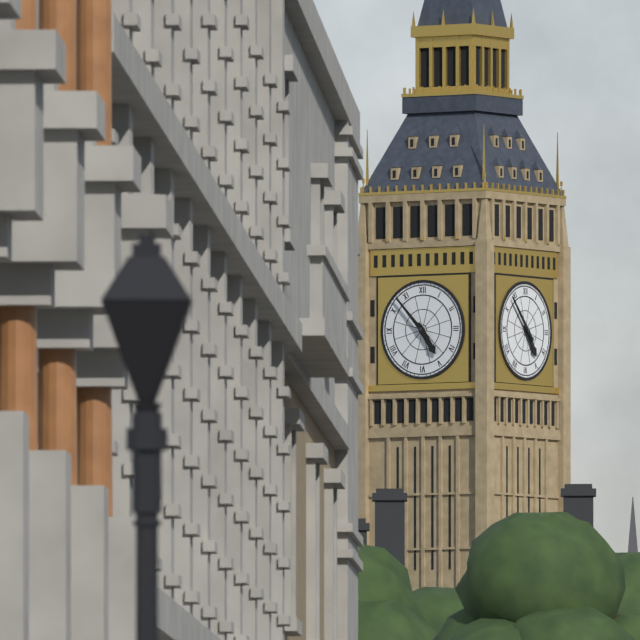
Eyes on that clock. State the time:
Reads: 4:53
